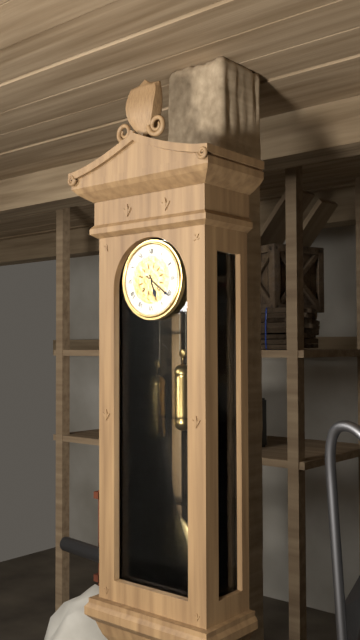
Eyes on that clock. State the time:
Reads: 5:21
